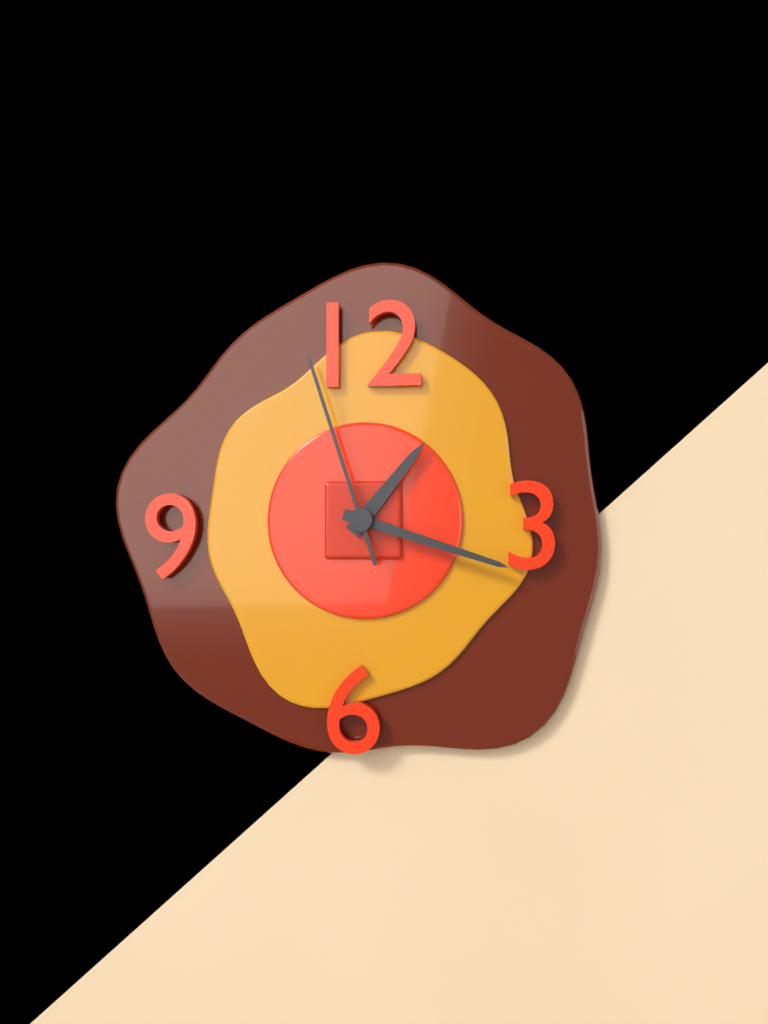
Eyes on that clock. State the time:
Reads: 1:18:57
